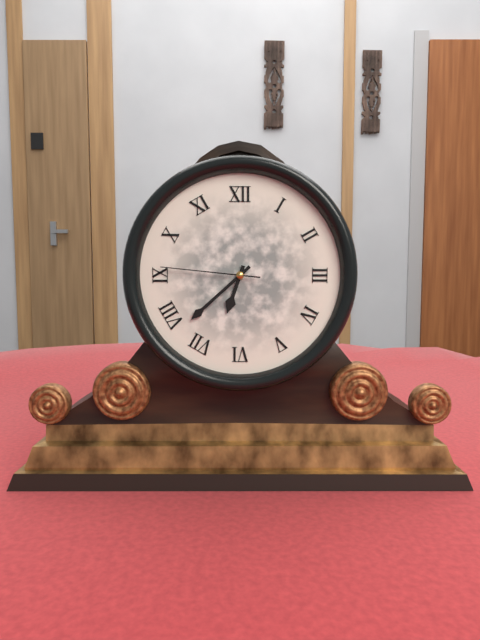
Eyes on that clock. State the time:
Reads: 6:38:46
